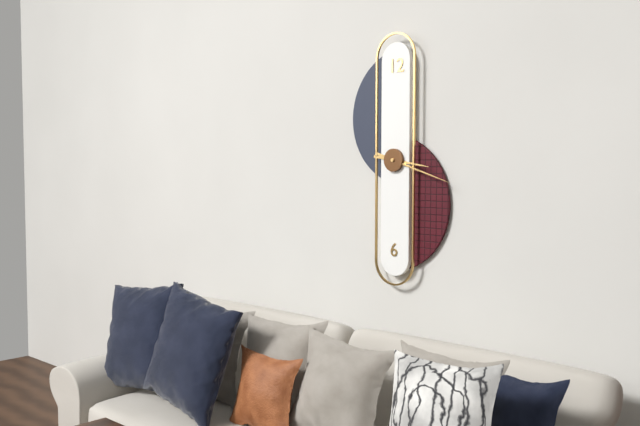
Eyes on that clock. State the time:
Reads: 3:18
